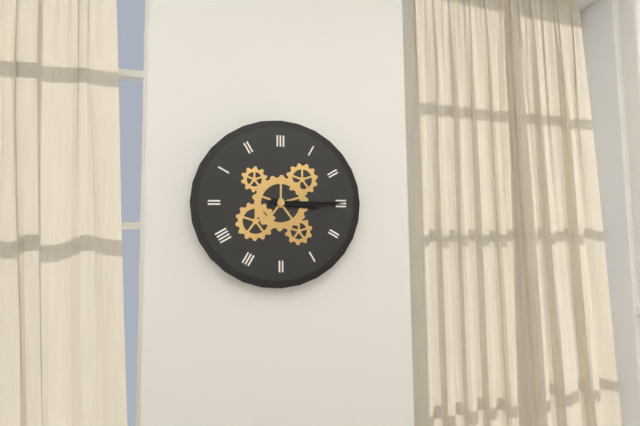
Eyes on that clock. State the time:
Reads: 3:15
